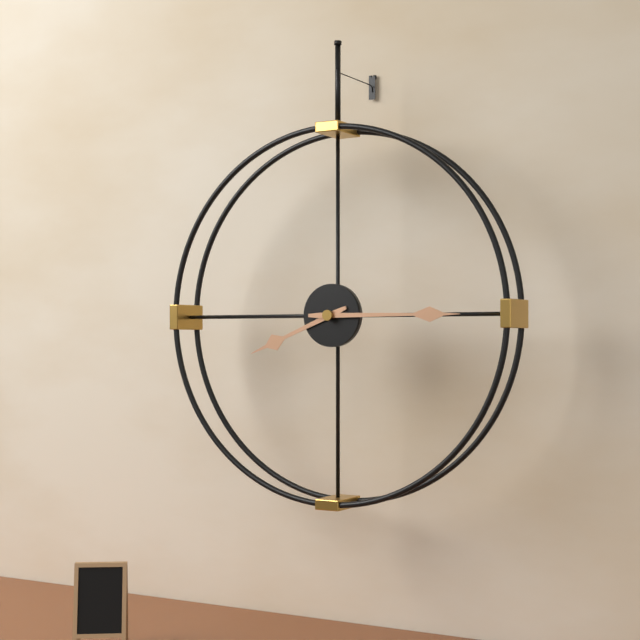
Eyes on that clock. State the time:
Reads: 8:15
